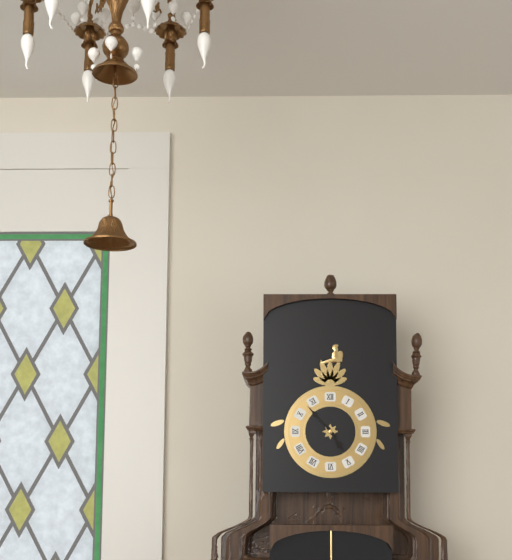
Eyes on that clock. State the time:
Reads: 4:53
